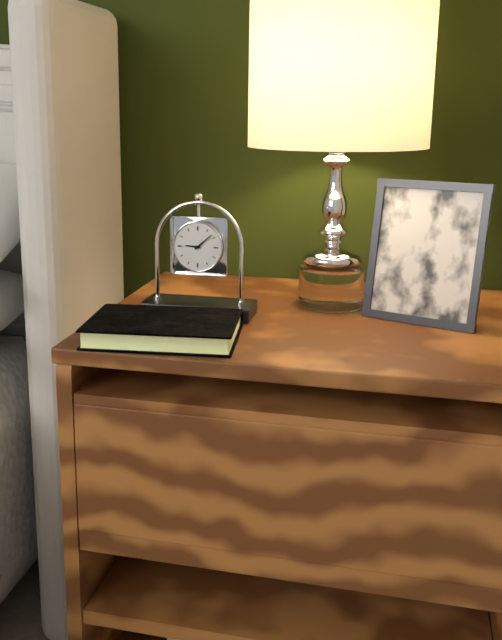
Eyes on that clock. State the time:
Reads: 9:08
